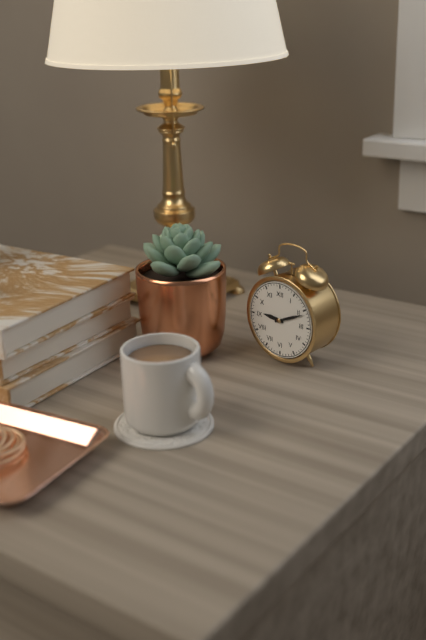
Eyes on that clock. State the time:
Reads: 9:11
